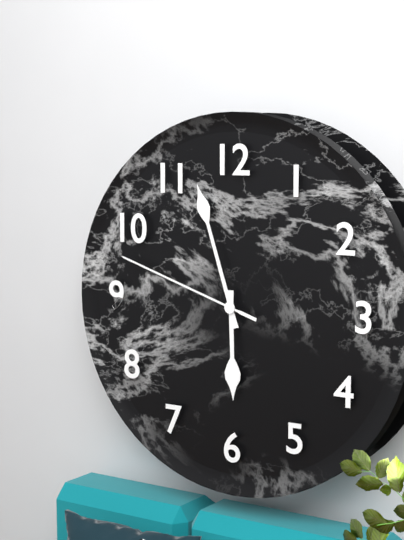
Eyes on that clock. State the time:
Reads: 5:57:48
